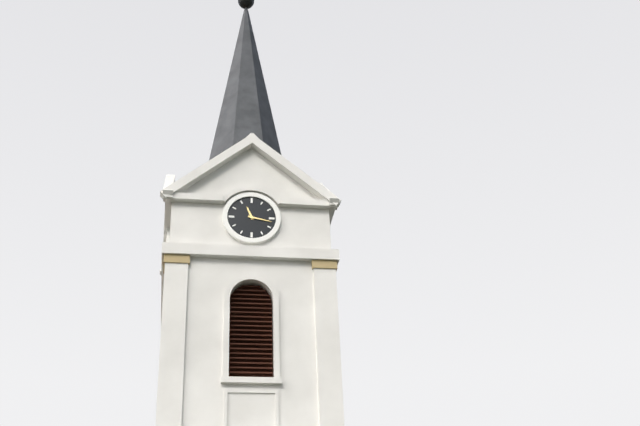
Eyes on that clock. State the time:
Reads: 11:17
